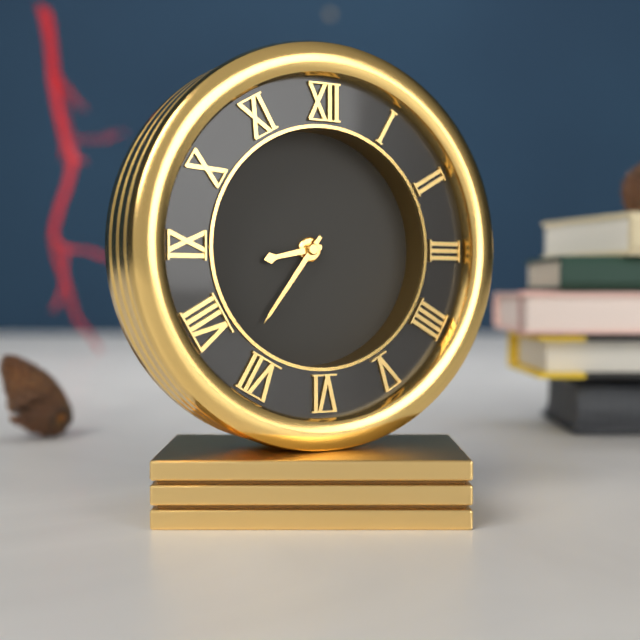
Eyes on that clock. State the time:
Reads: 8:36
